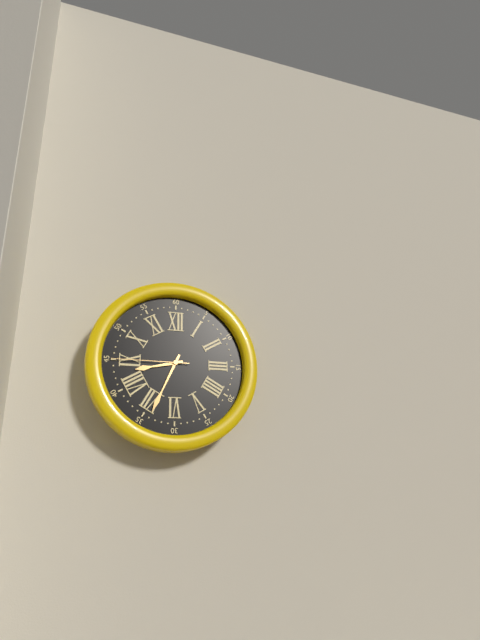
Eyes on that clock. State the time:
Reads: 8:34:45
